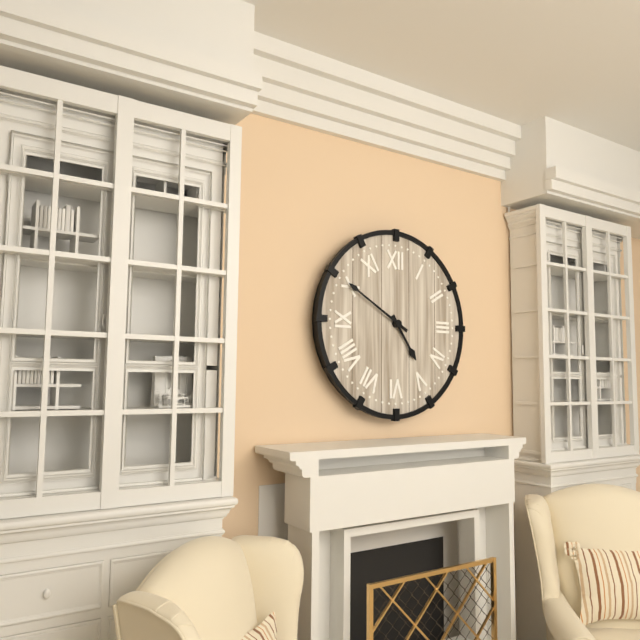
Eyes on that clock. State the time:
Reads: 4:50
